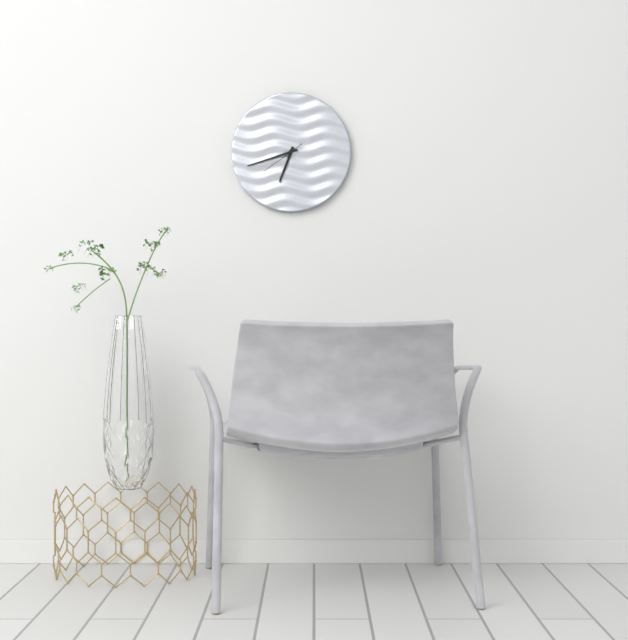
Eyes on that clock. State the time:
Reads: 6:42
